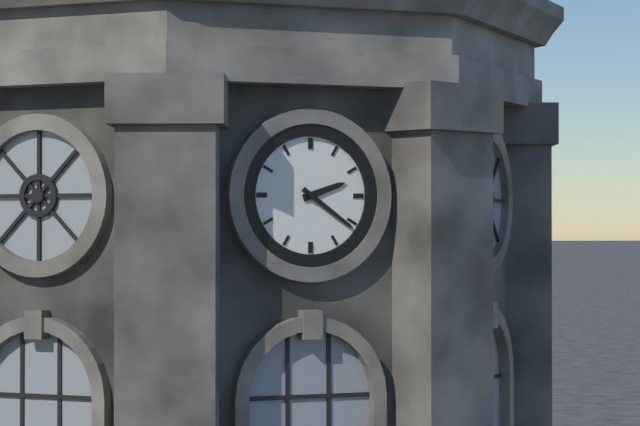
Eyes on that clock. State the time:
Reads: 2:21
